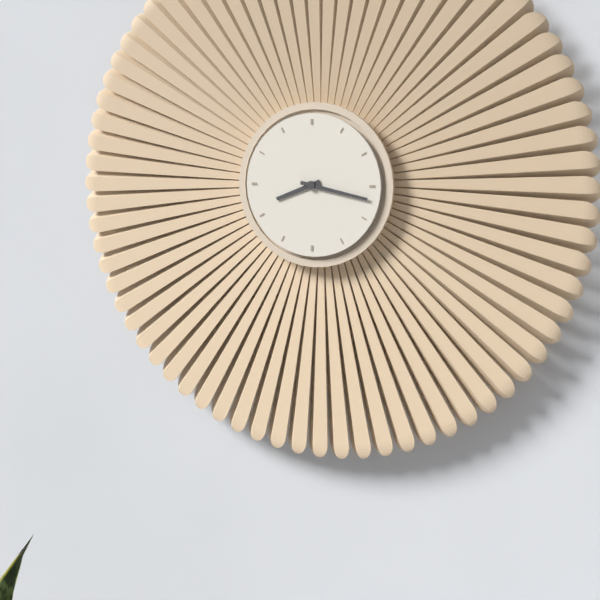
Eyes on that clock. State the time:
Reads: 8:17
